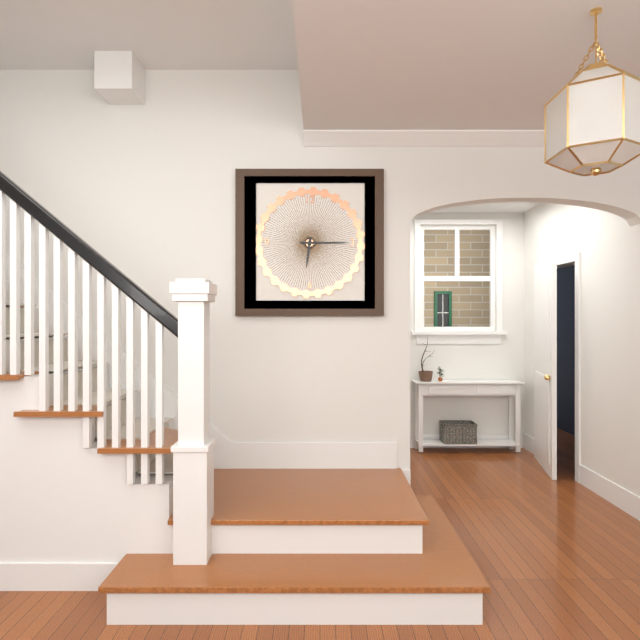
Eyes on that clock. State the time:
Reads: 6:15
